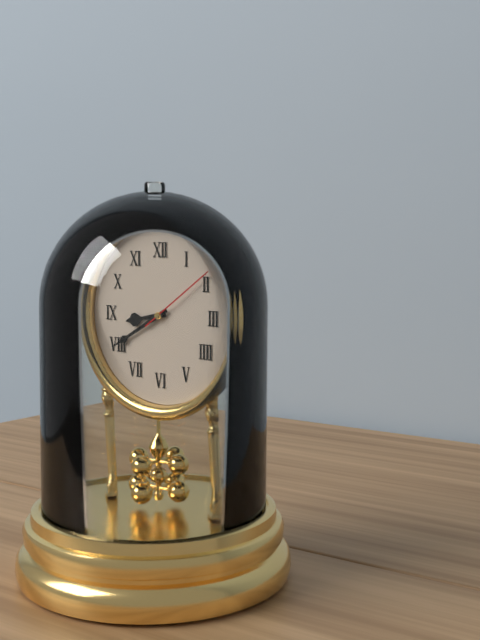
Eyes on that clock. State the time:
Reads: 8:40:09
